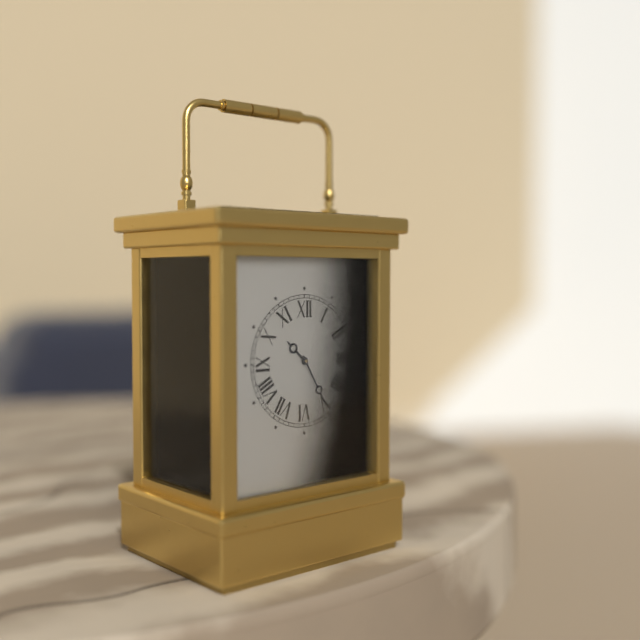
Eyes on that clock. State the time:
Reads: 10:25
